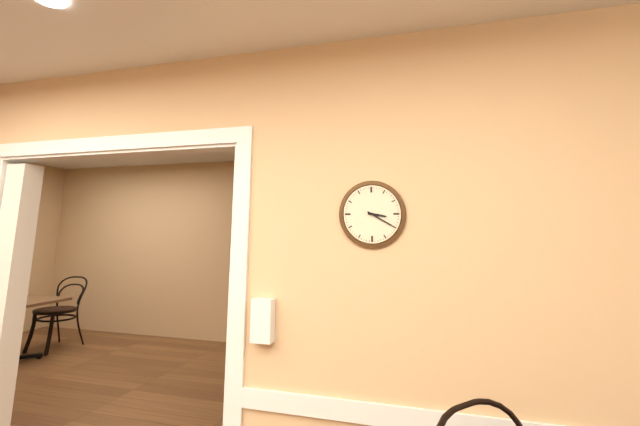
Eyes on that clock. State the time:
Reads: 3:20
